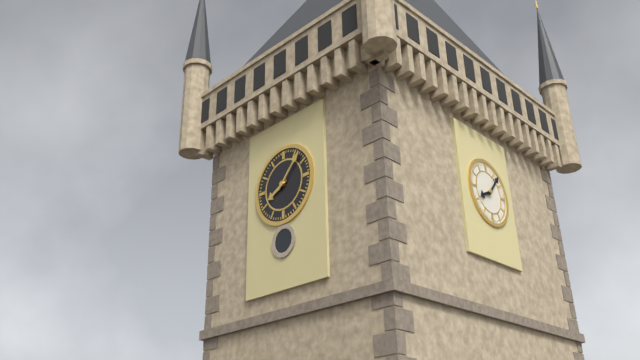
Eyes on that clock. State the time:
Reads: 8:07
